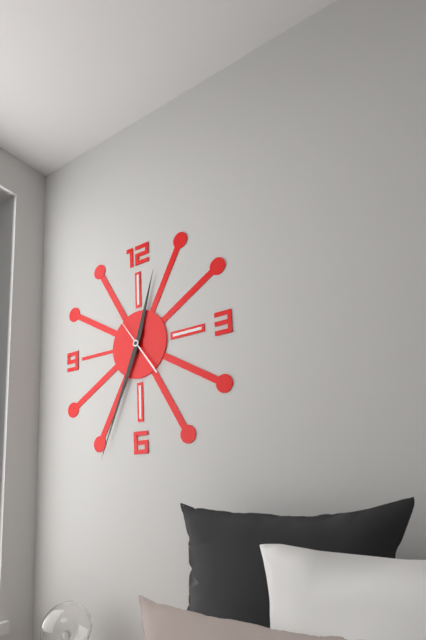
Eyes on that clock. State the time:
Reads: 12:34
